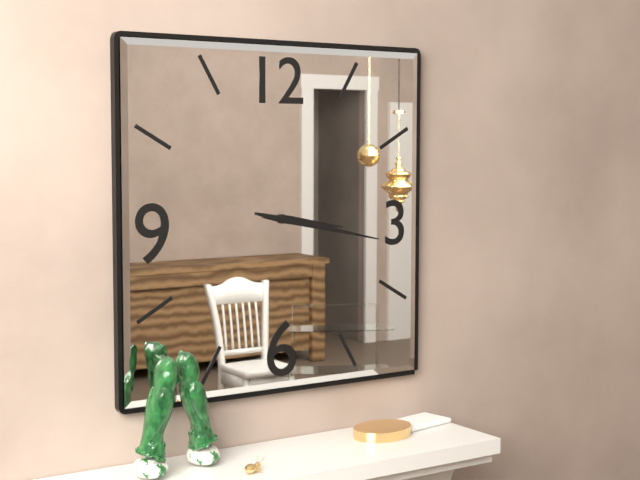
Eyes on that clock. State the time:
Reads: 3:17
